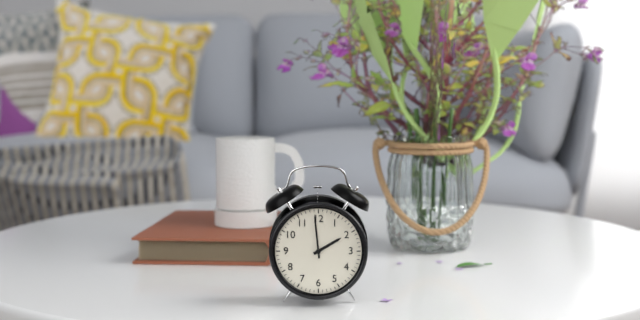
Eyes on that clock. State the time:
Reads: 1:59
